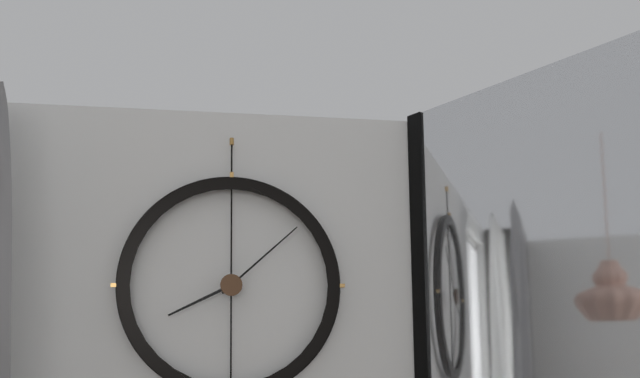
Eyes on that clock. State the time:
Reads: 8:08
